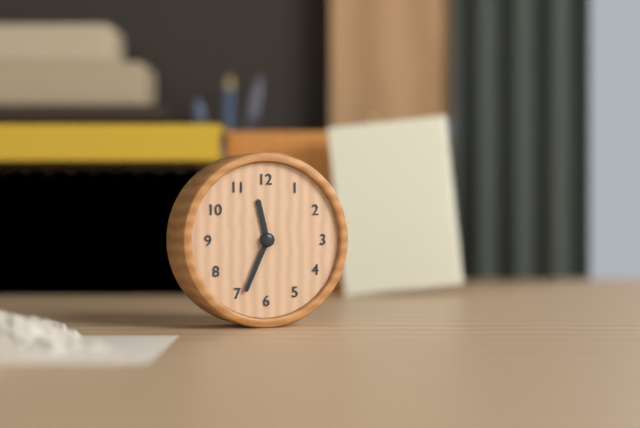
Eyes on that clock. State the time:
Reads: 11:34
